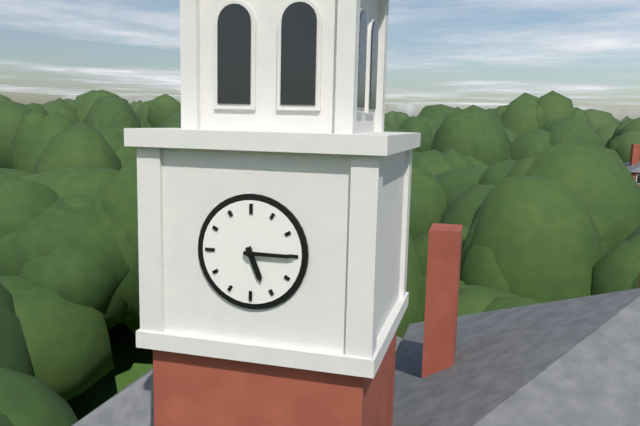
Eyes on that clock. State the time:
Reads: 5:15
